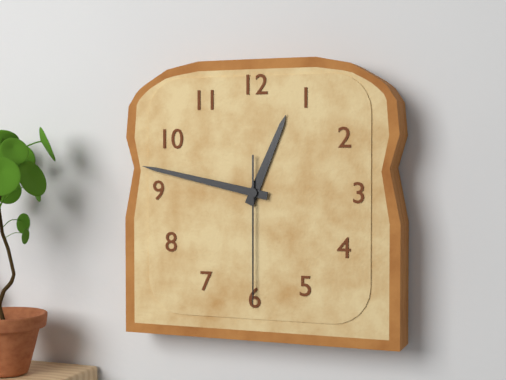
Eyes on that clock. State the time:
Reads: 12:47:30
